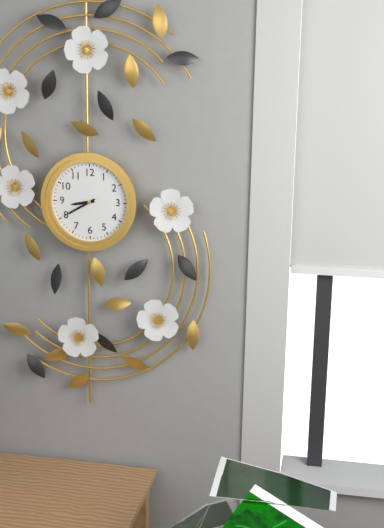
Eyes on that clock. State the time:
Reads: 8:40
